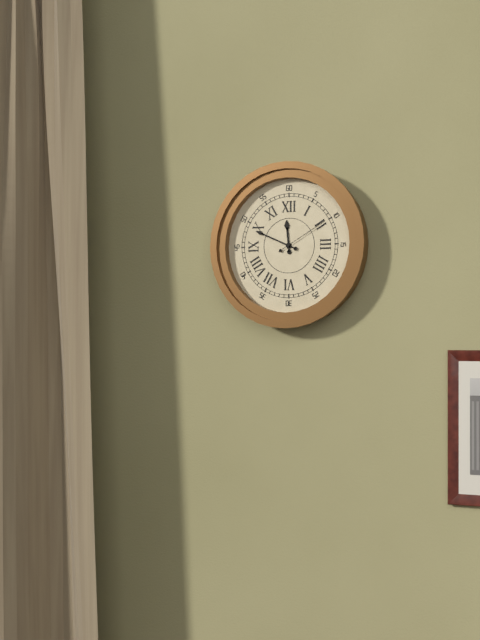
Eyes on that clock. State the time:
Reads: 11:49:10
